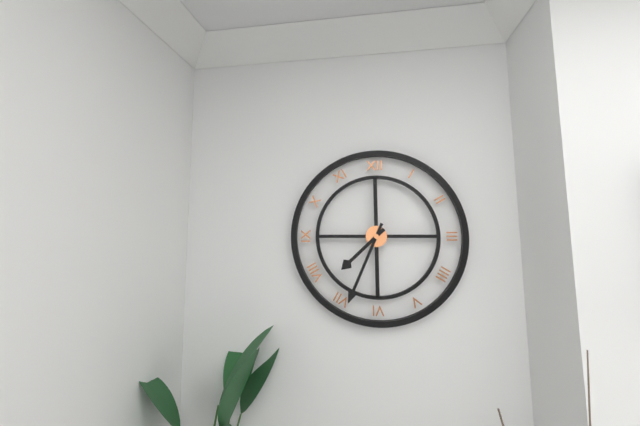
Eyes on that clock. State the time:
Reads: 7:34
